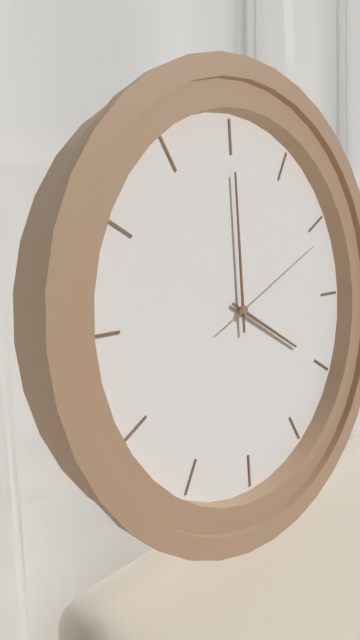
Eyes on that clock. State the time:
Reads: 4:00:11
